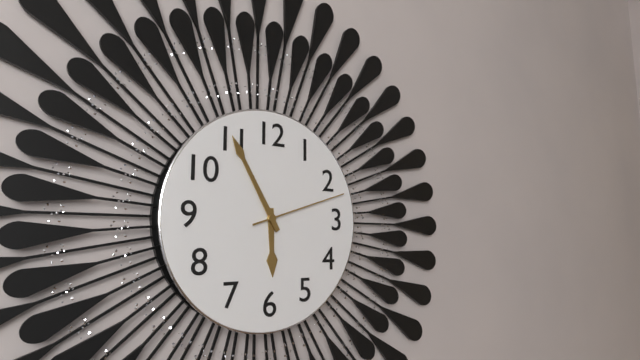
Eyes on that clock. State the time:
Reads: 5:55:12
